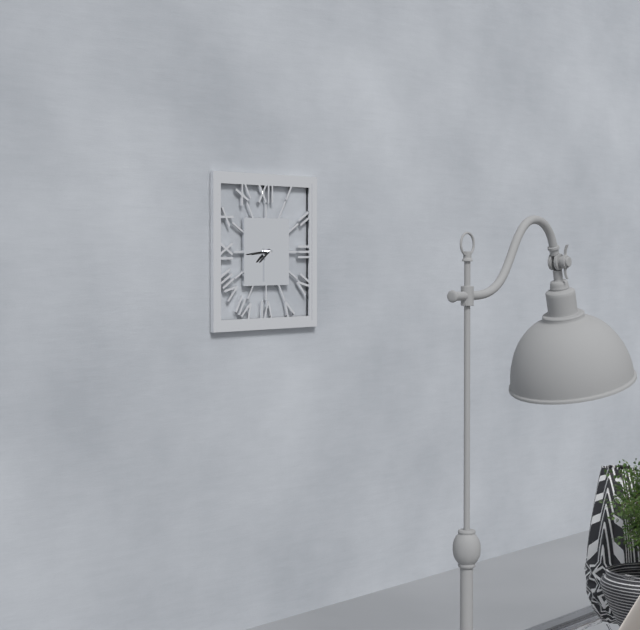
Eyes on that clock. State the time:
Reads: 7:44
